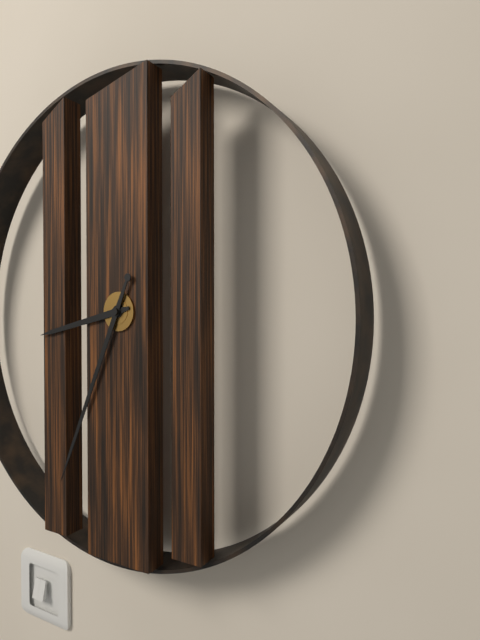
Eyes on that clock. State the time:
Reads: 8:34
